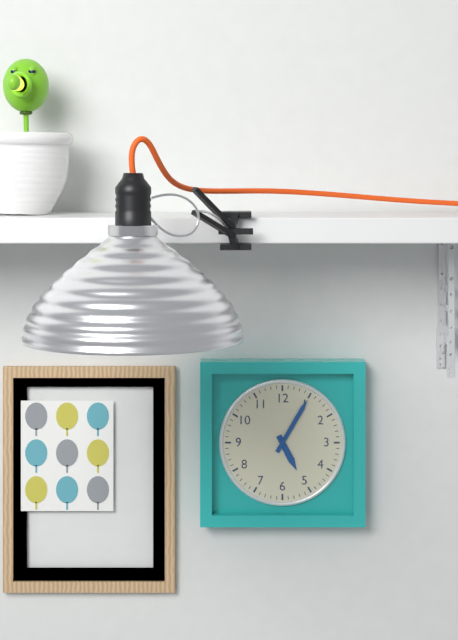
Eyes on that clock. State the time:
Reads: 5:05
